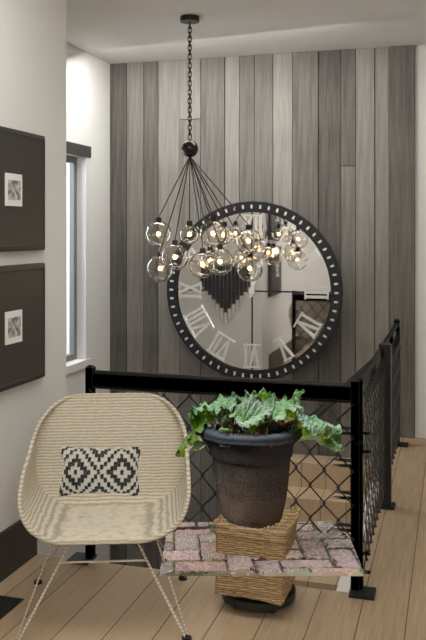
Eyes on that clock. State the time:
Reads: 12:03
